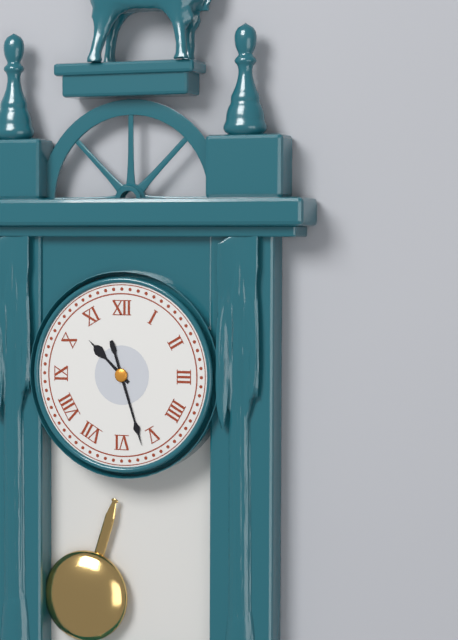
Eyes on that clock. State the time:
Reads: 10:27
